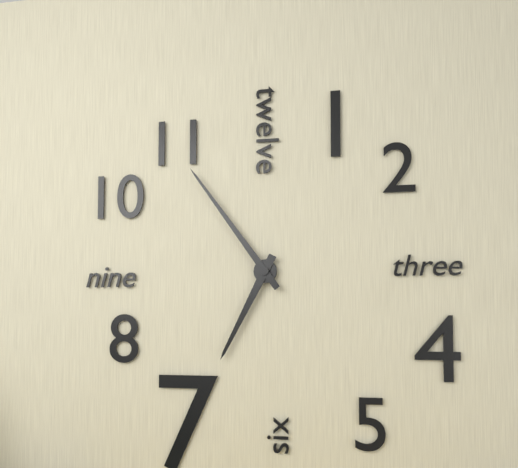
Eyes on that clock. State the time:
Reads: 6:54
